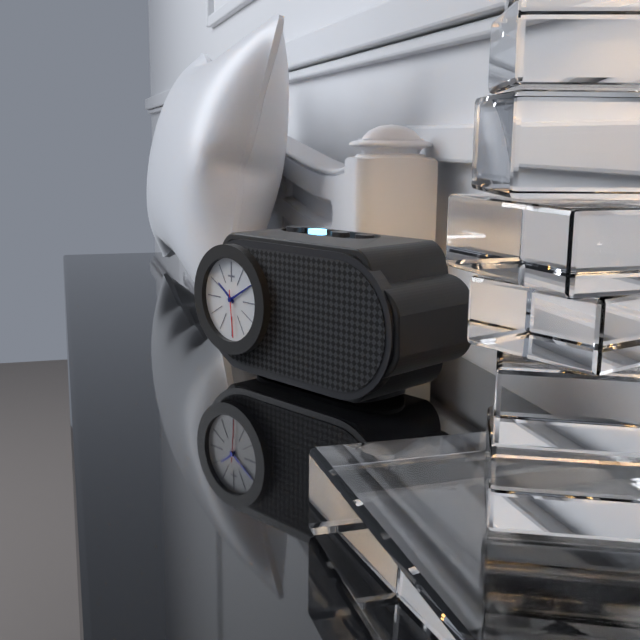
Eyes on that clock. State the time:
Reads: 10:10:29
